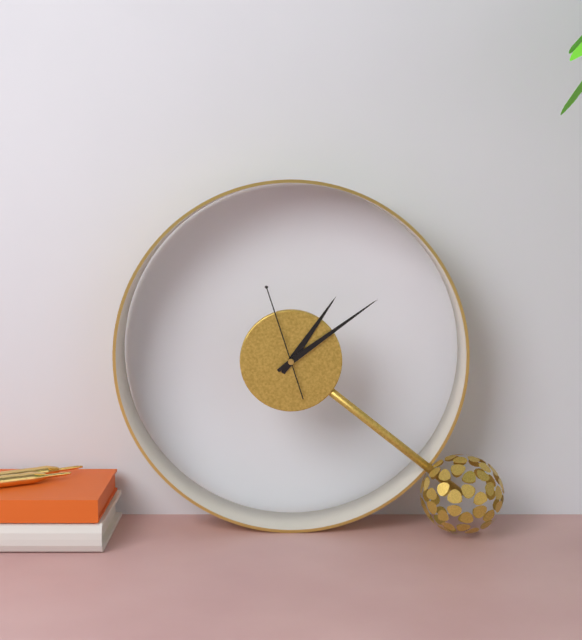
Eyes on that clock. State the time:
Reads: 1:09:57
